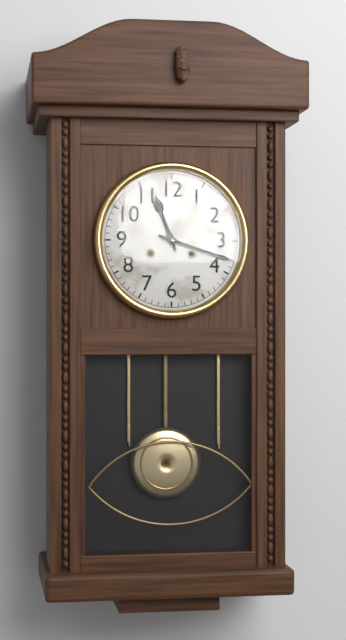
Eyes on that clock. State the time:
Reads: 11:18
